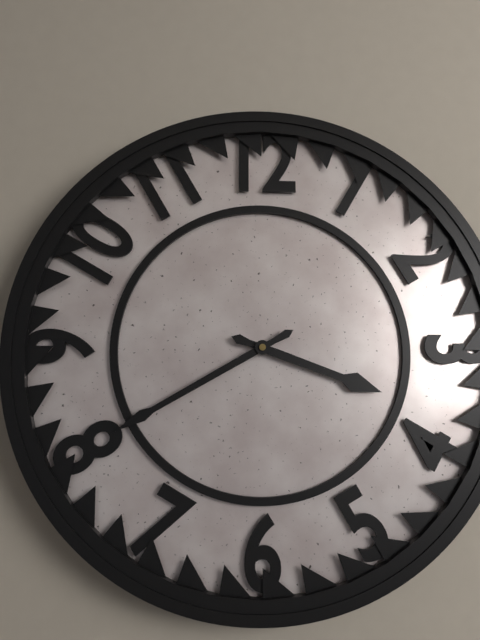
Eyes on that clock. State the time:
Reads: 3:40
